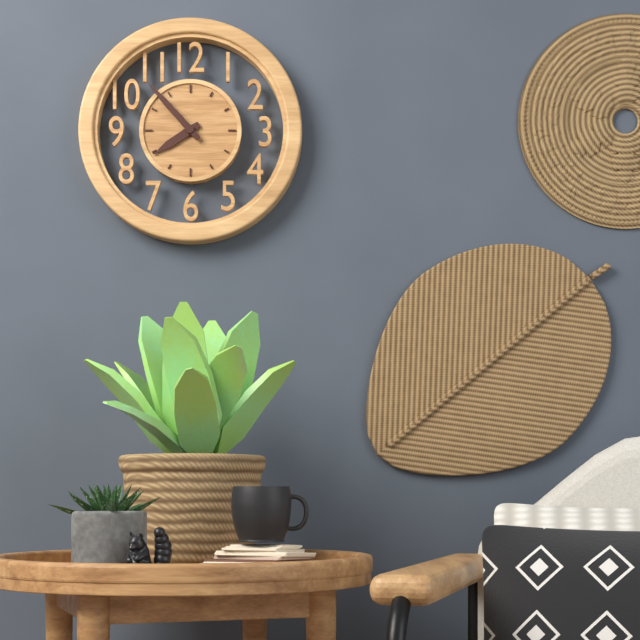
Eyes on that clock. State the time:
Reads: 7:53
